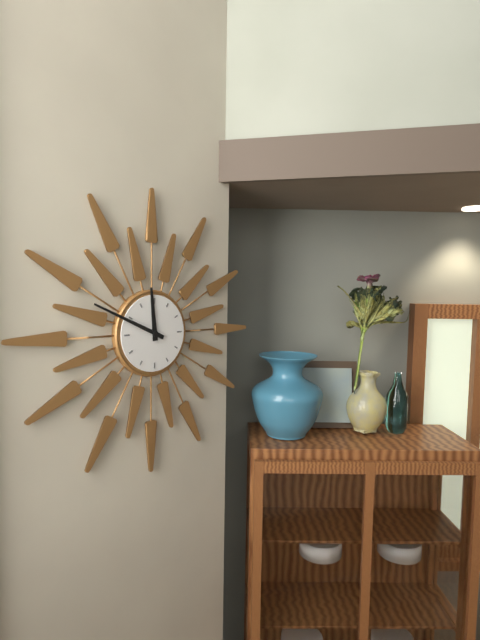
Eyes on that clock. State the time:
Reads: 11:49
